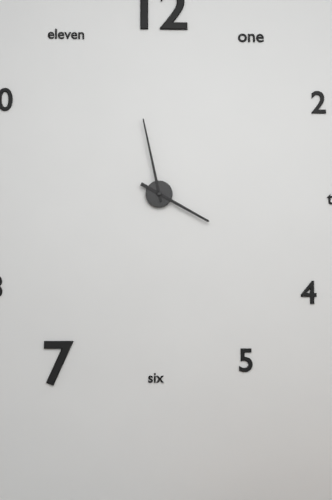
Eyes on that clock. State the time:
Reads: 3:58
